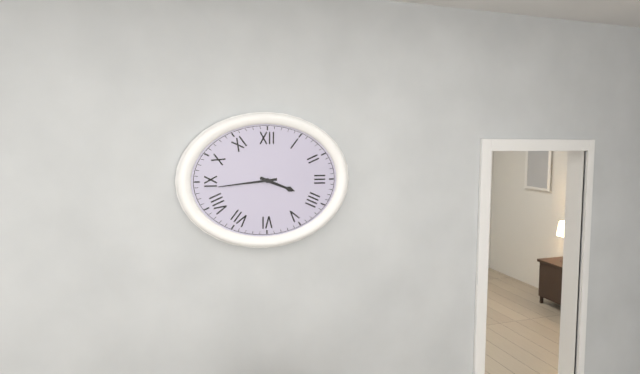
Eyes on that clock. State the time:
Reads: 3:44
